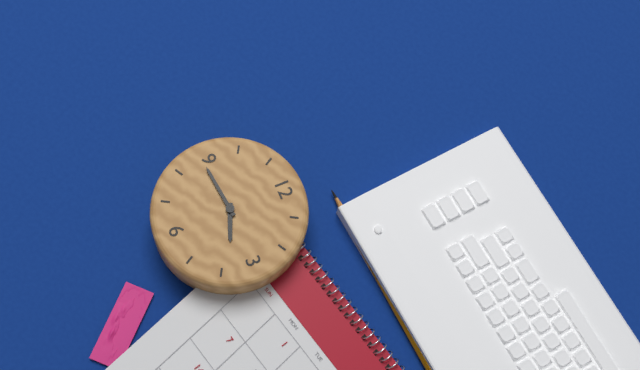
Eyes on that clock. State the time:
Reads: 3:44
